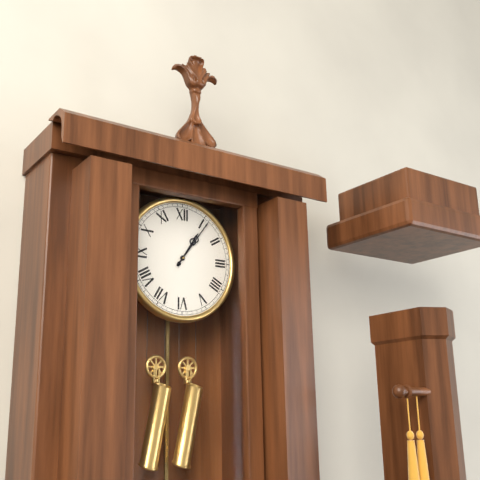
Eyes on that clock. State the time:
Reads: 1:06
